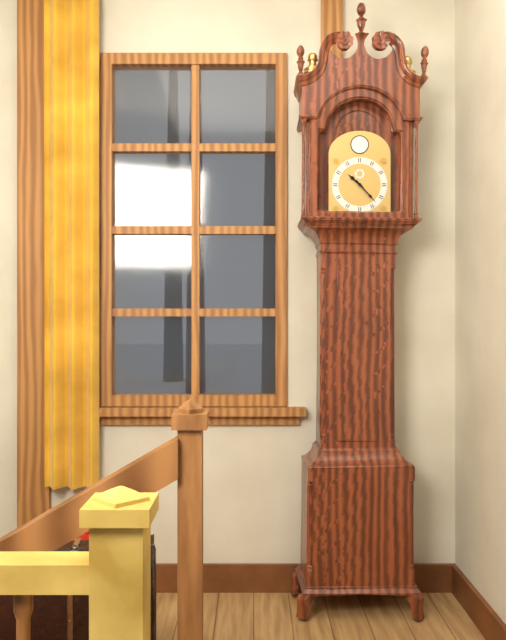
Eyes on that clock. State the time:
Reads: 10:23
